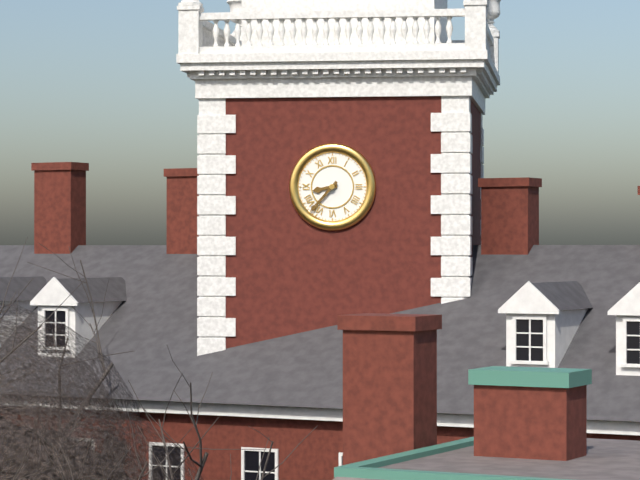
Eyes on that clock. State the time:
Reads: 8:37
